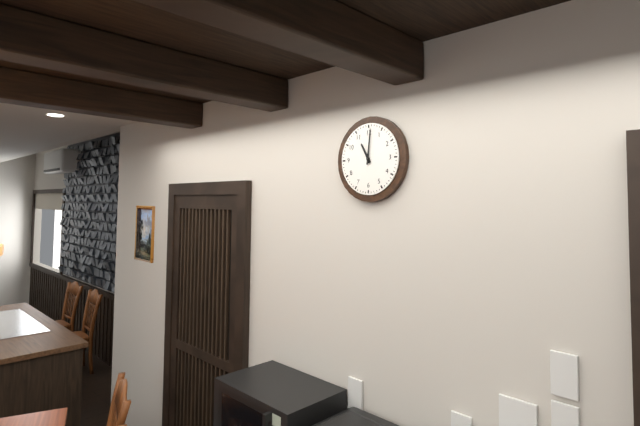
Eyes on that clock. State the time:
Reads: 11:01
